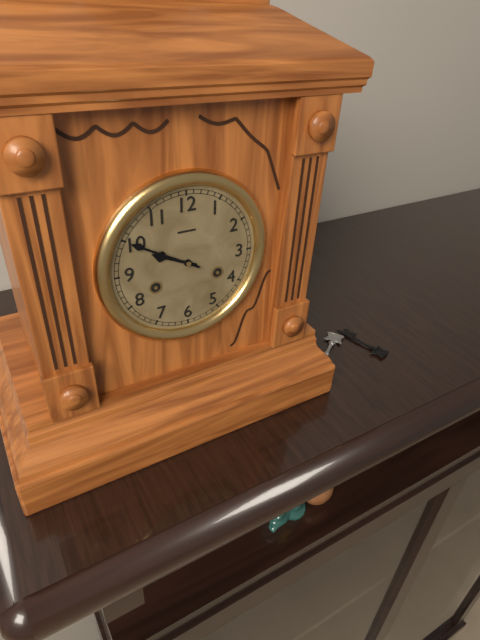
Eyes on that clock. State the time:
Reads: 9:50
